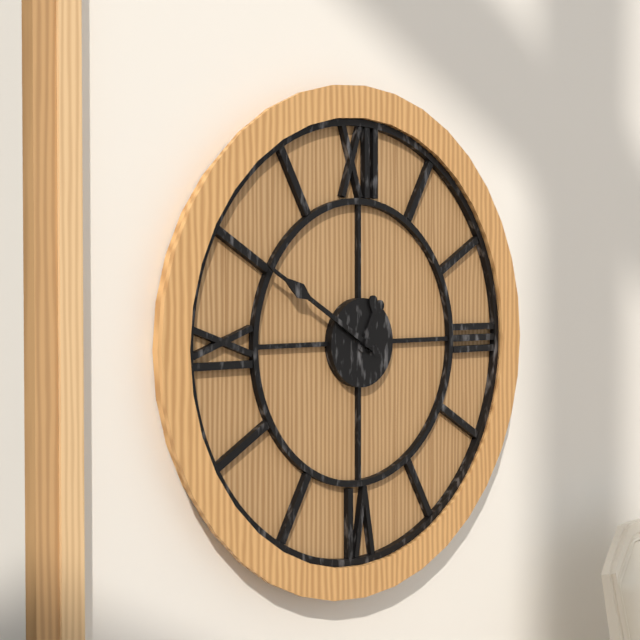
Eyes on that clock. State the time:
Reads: 12:50
